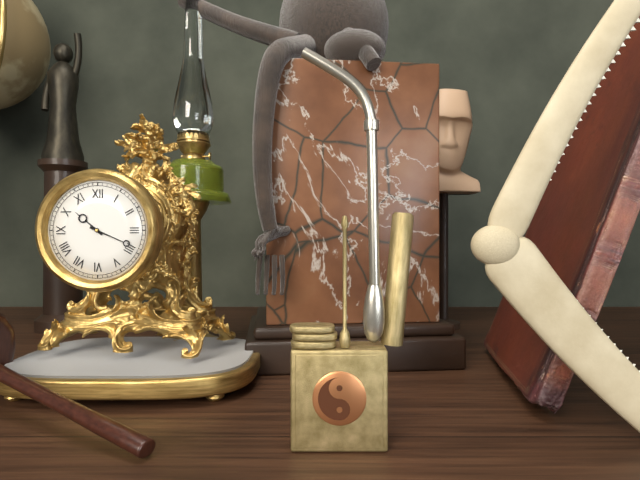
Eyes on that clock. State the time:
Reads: 10:19
